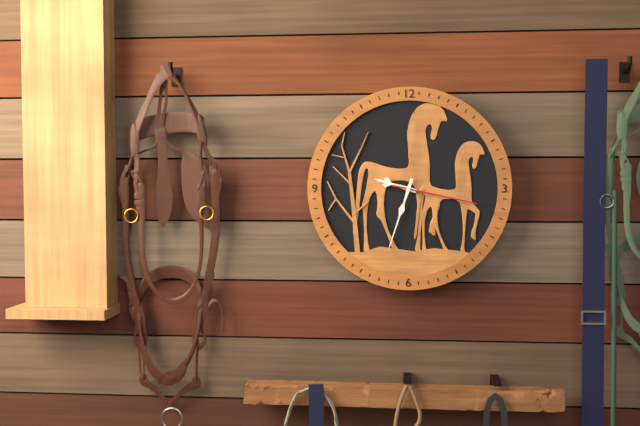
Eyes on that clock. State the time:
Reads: 9:33:17
